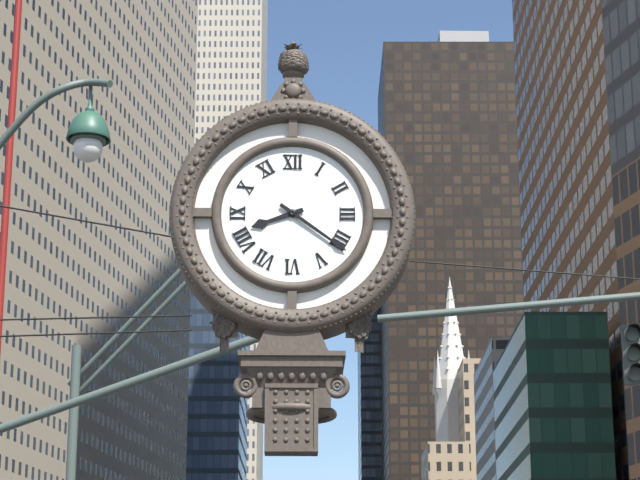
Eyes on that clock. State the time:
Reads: 8:21
